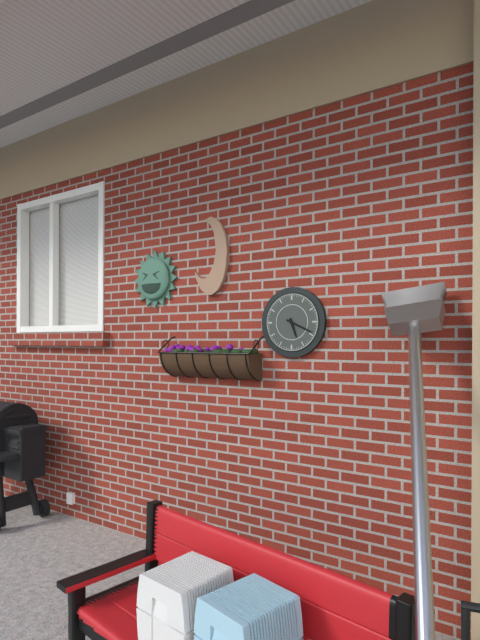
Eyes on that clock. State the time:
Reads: 5:19
